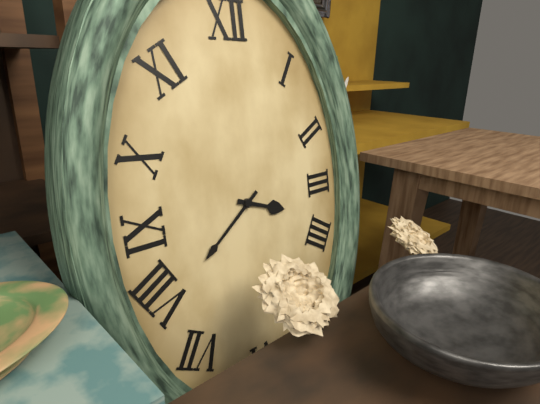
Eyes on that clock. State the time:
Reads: 3:39
